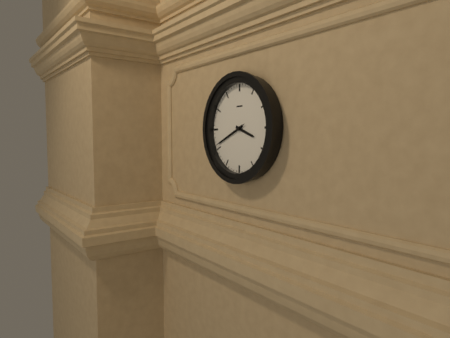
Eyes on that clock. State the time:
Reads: 3:41
